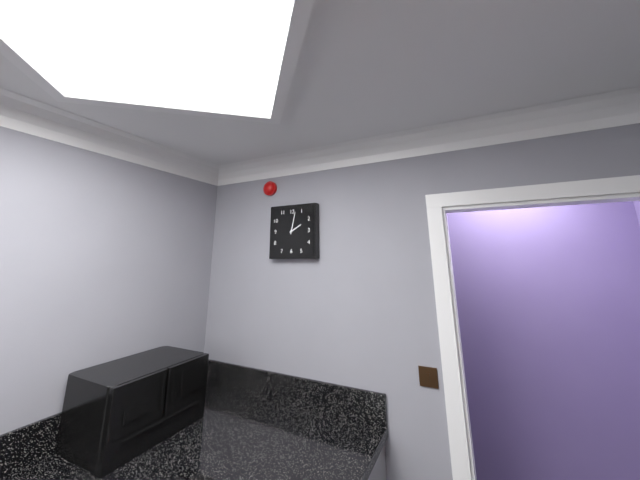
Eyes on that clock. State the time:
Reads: 2:02
